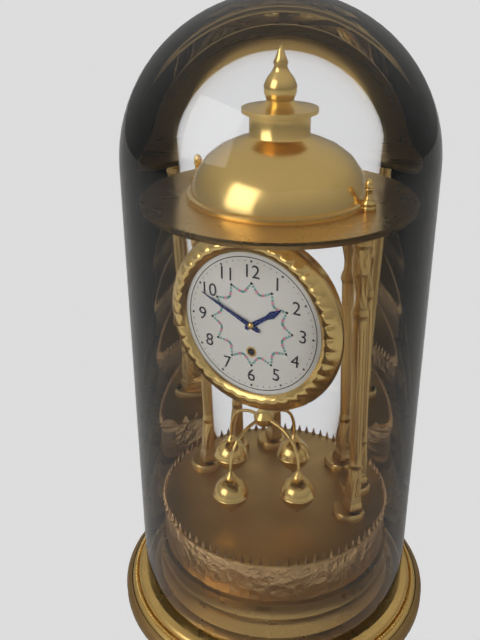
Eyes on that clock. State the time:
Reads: 1:49
